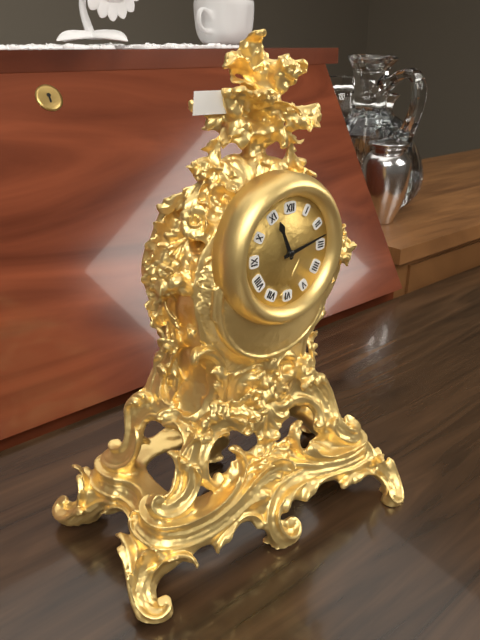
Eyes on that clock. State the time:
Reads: 11:13
